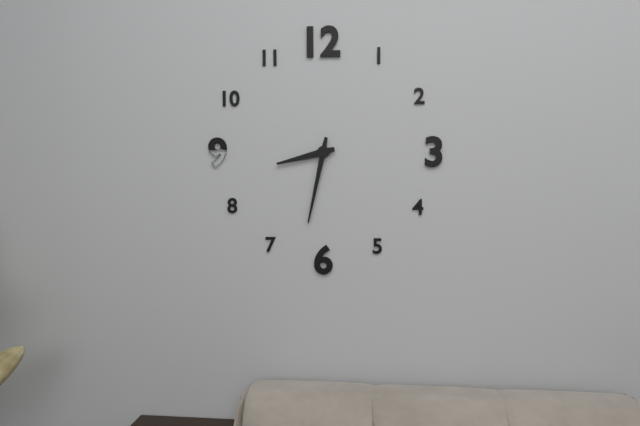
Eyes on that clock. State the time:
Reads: 8:32
